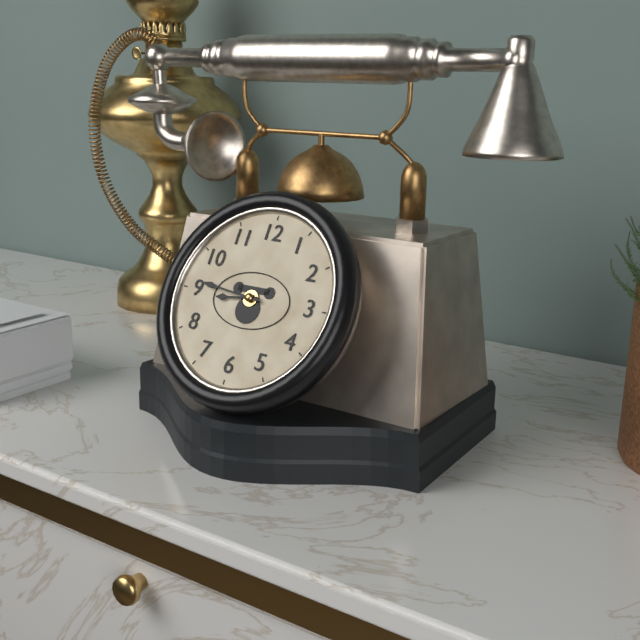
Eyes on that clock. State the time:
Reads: 8:46
